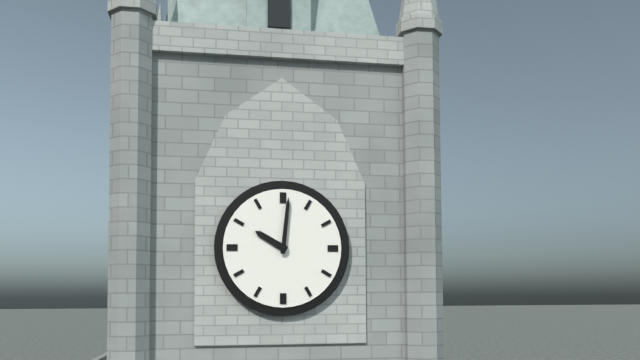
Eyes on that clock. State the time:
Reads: 10:01
